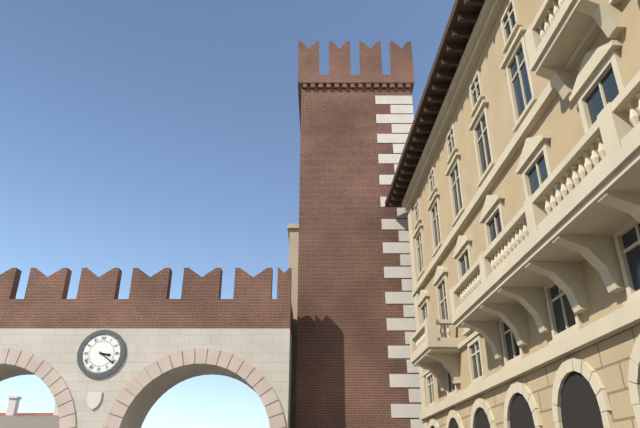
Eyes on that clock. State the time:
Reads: 3:21
